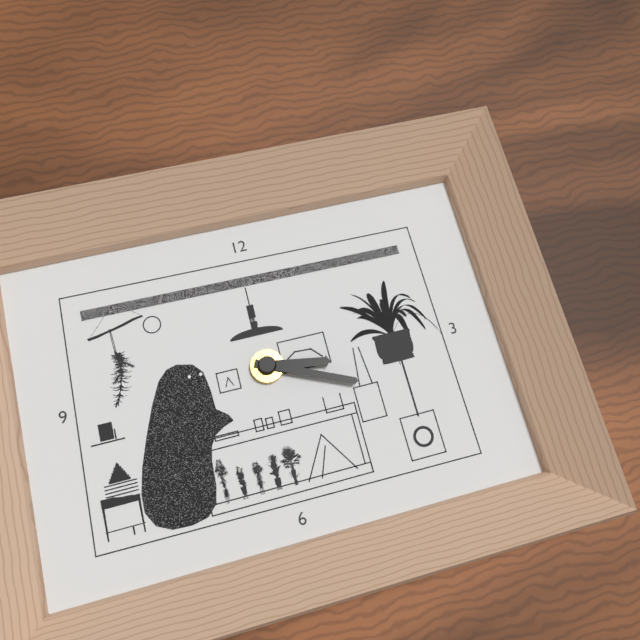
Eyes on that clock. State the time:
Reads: 3:19
